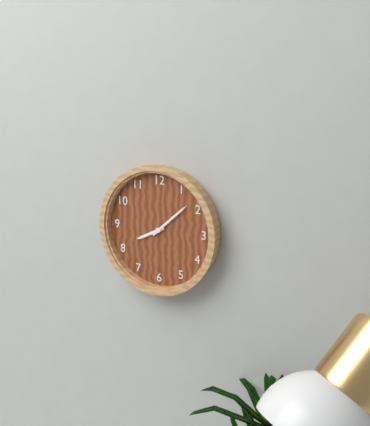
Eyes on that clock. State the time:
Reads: 8:08
